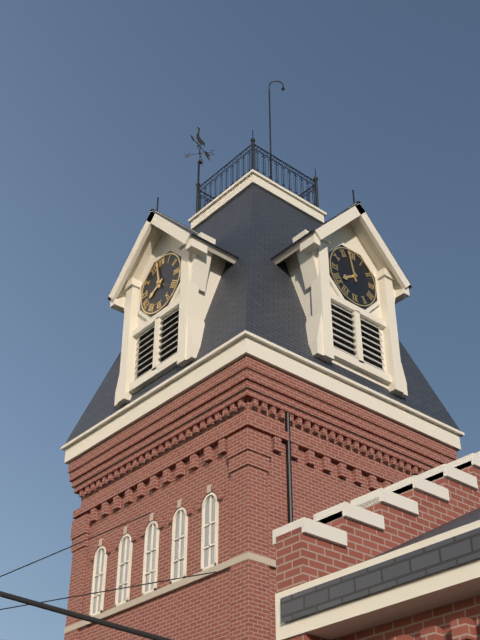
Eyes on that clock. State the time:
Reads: 7:58
